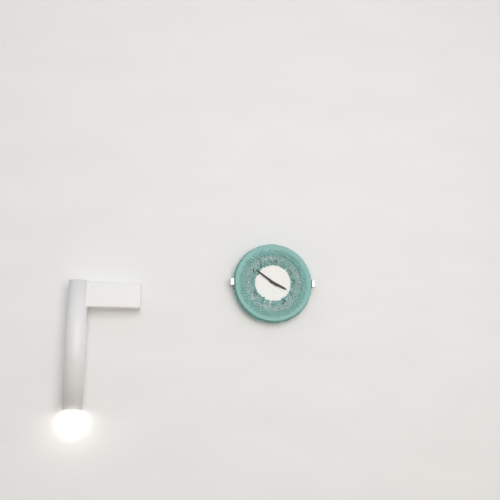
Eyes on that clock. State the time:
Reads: 3:51
